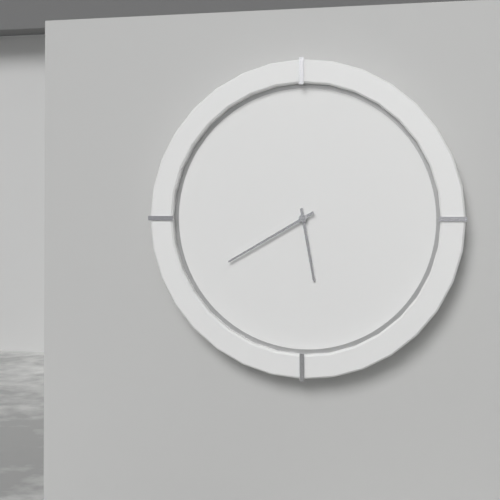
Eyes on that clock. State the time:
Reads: 5:40
